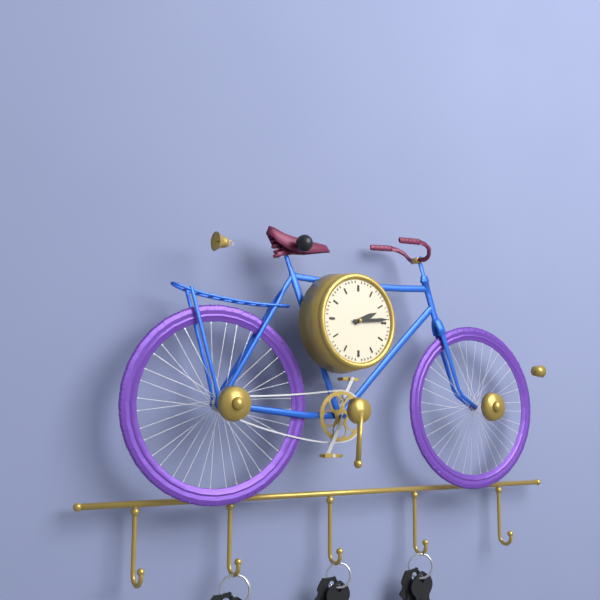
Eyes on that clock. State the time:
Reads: 2:14
